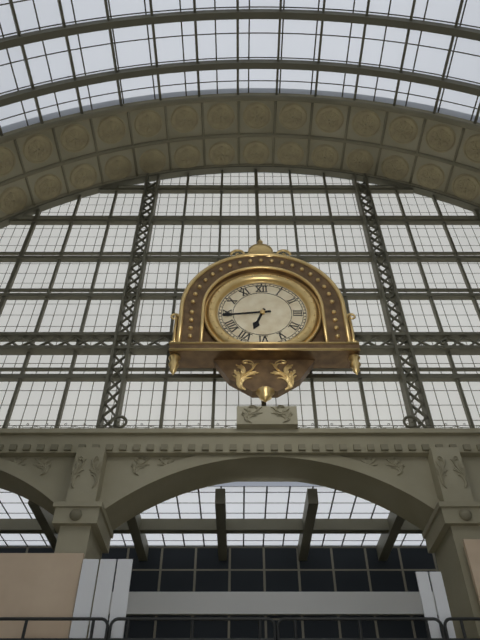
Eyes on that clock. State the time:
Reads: 6:44
